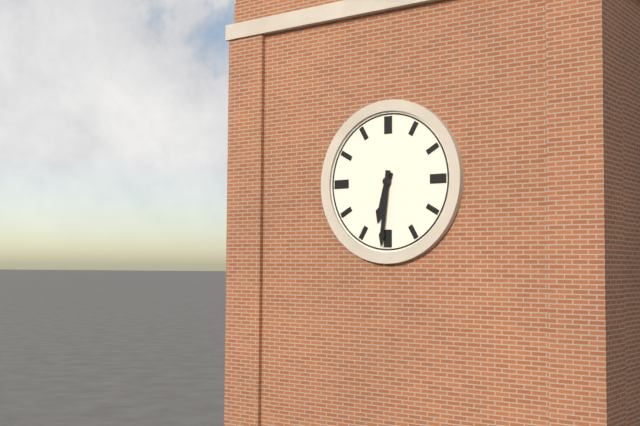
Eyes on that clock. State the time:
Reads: 6:31
